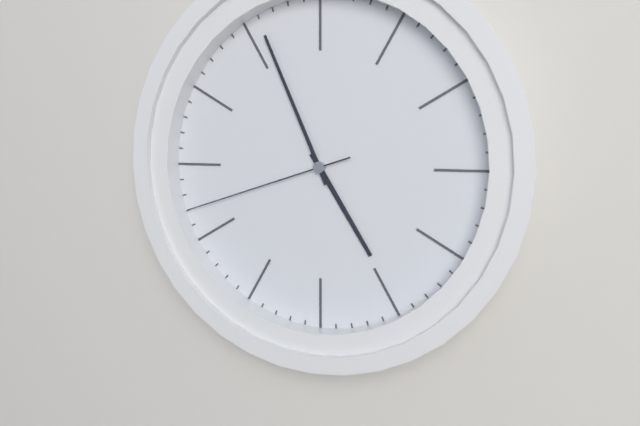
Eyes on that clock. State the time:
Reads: 4:56:42
